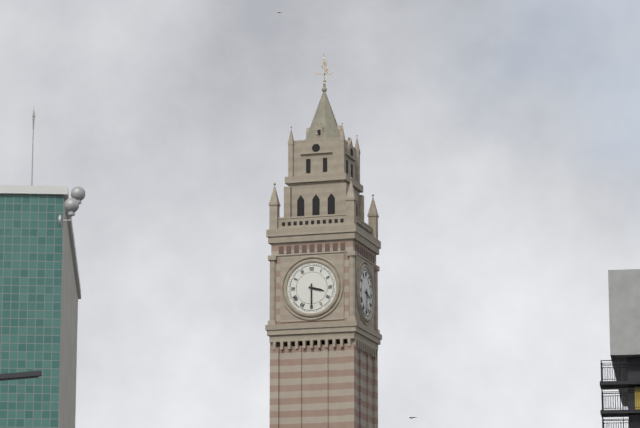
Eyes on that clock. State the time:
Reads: 3:30
